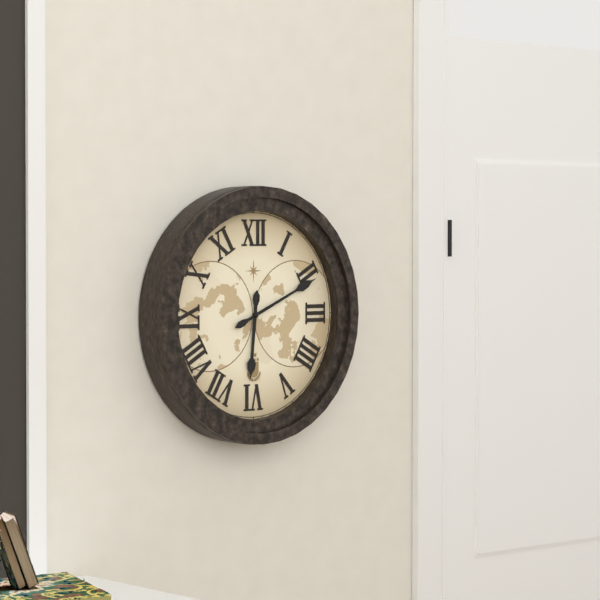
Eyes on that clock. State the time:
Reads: 6:11
